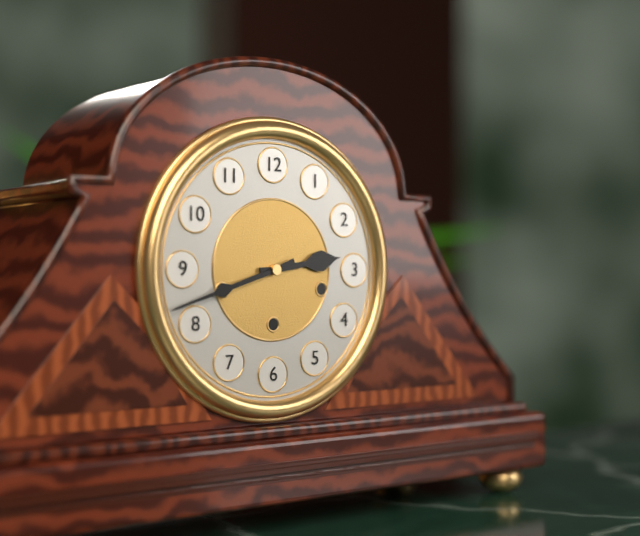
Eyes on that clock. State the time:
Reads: 2:42
